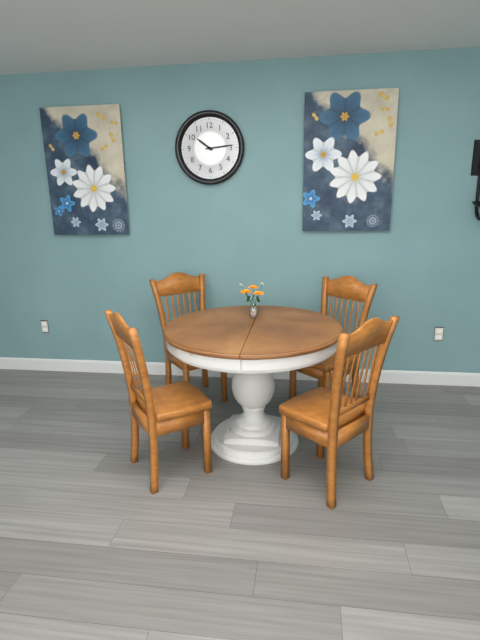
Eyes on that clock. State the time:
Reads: 10:14
